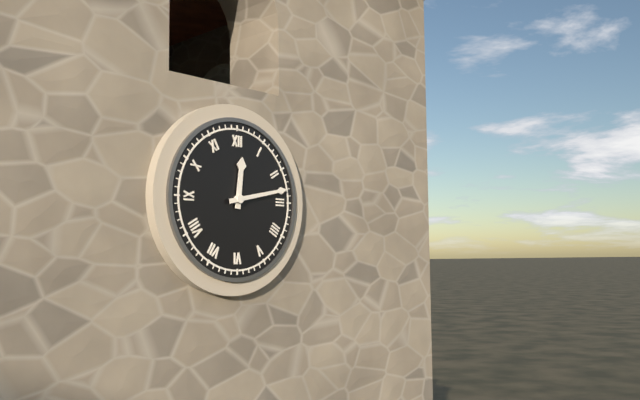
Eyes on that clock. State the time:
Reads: 12:13
